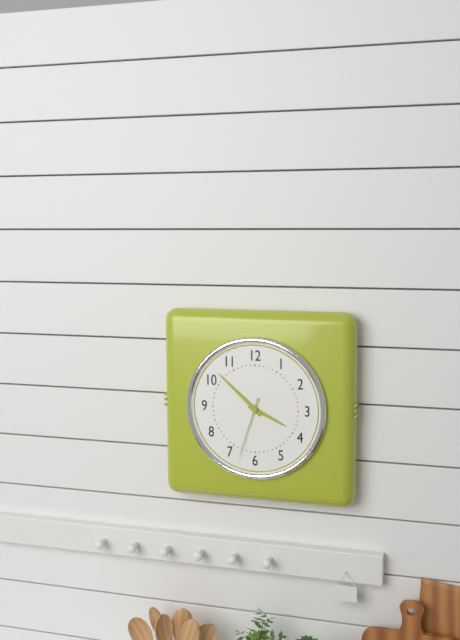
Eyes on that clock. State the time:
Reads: 3:52:33
